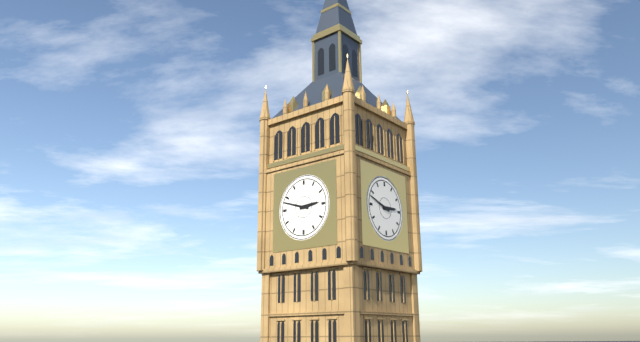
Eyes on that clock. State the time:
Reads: 2:48
